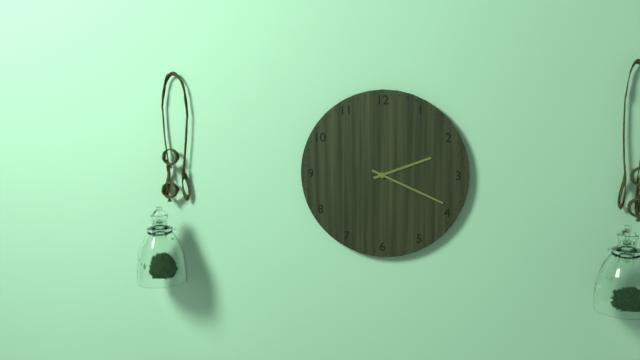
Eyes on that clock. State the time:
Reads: 2:19
